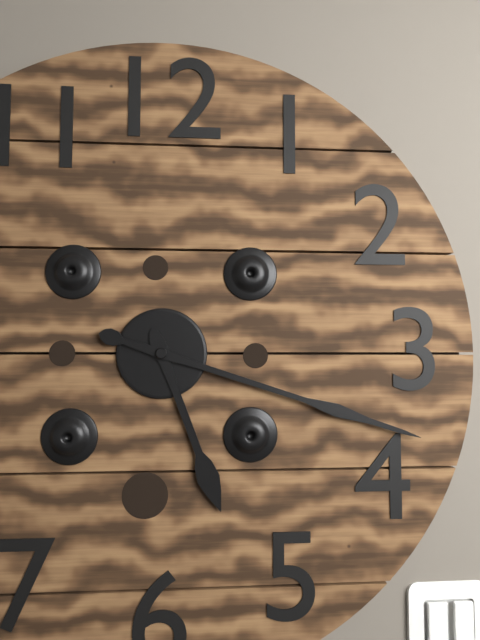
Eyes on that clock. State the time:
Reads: 5:18
